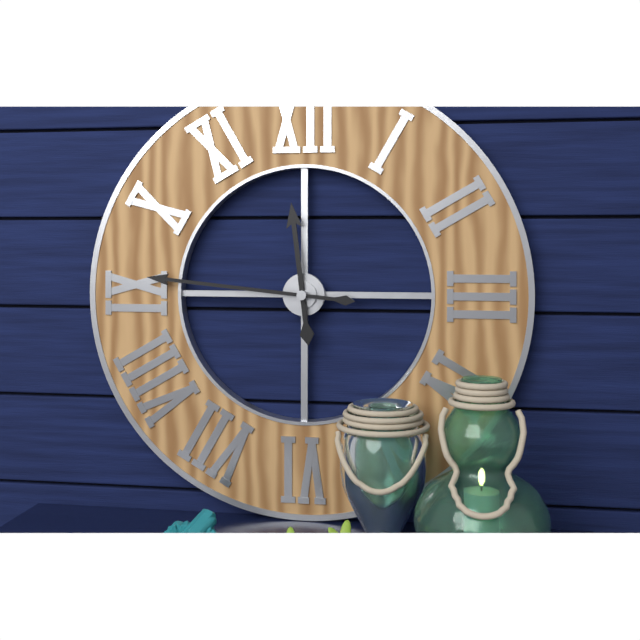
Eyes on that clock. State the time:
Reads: 11:46
